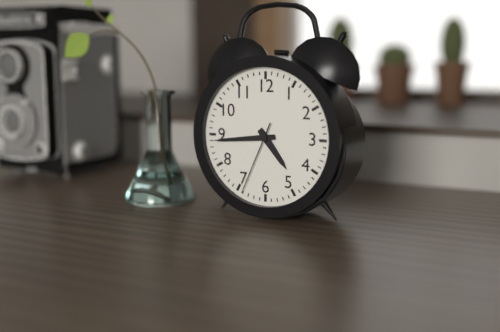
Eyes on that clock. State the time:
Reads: 4:44:34
